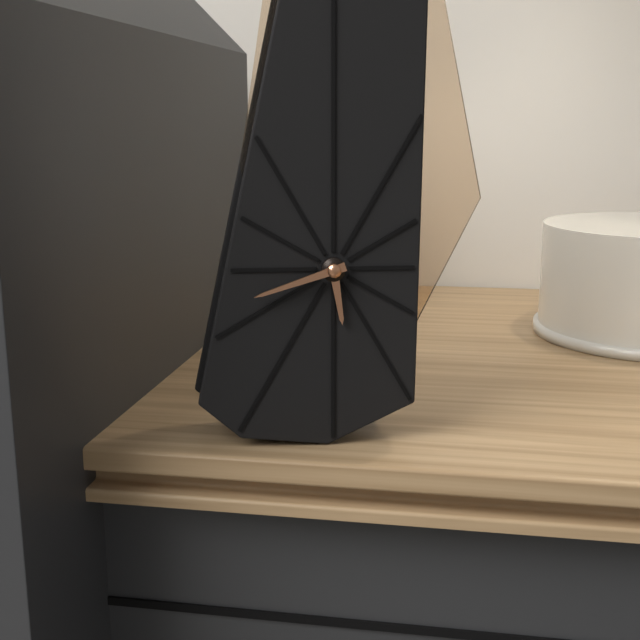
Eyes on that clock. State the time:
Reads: 5:42
